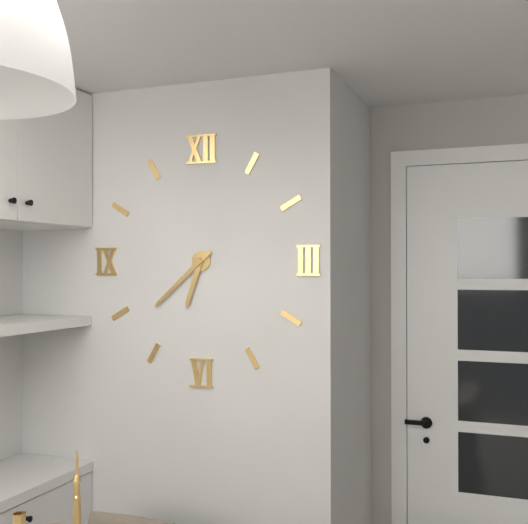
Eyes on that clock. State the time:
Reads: 6:38
